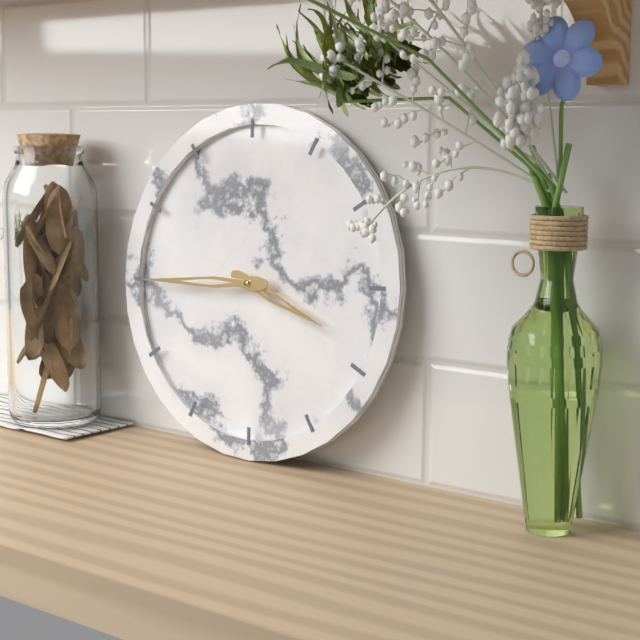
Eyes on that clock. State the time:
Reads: 3:45
